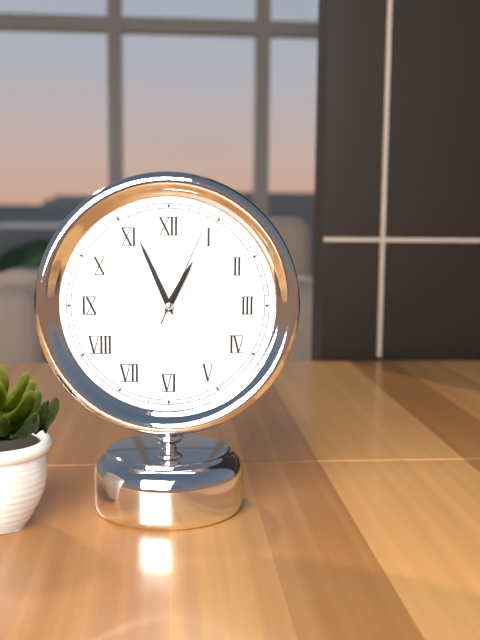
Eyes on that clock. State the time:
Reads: 12:56:04
